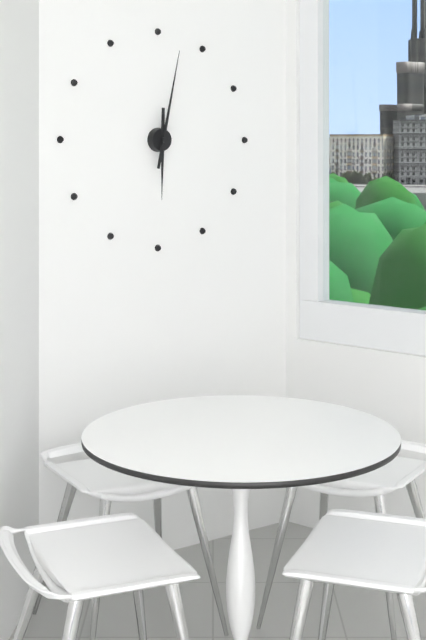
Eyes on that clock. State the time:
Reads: 6:02
